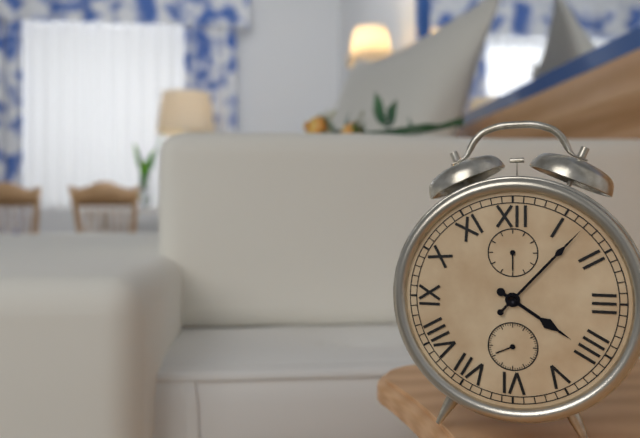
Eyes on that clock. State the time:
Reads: 4:07
